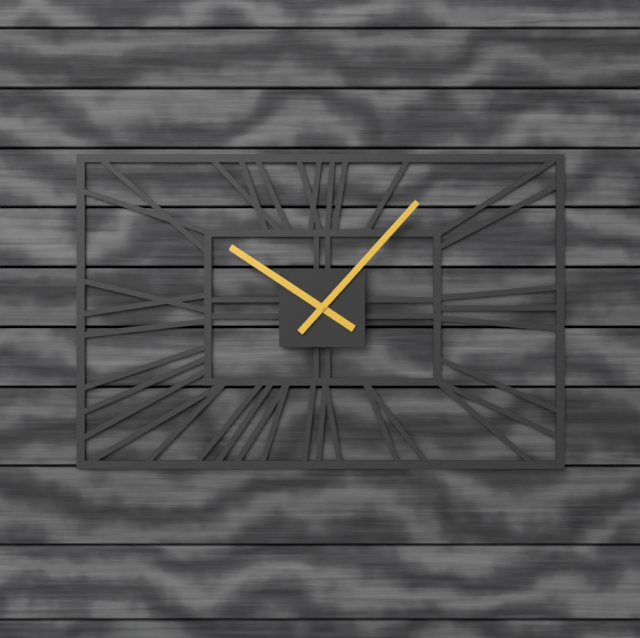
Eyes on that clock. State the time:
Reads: 10:07
